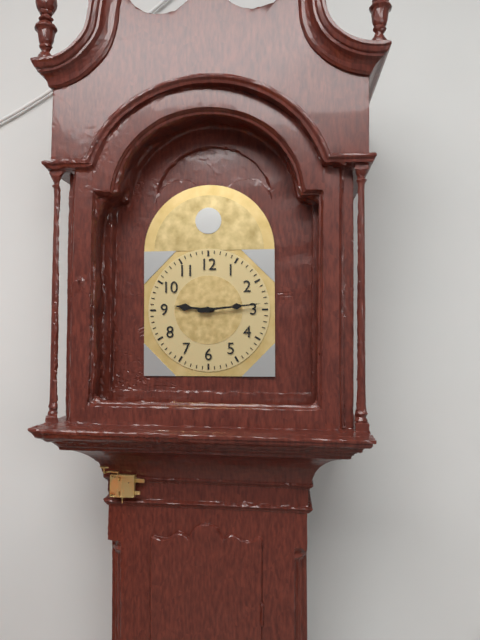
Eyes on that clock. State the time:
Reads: 9:14
